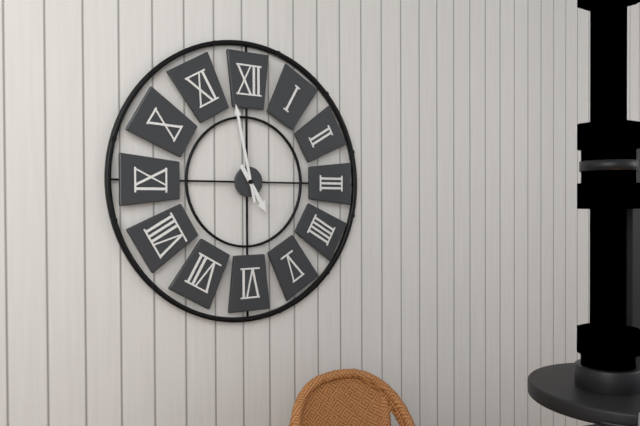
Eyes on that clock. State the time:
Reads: 4:58
